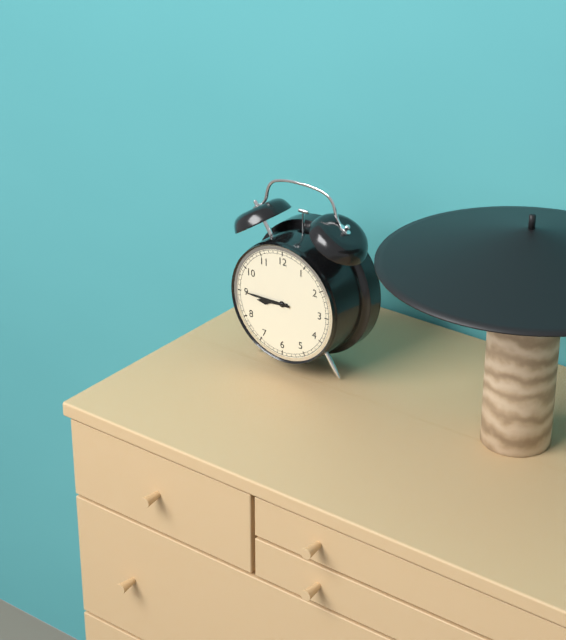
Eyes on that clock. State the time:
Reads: 8:45
